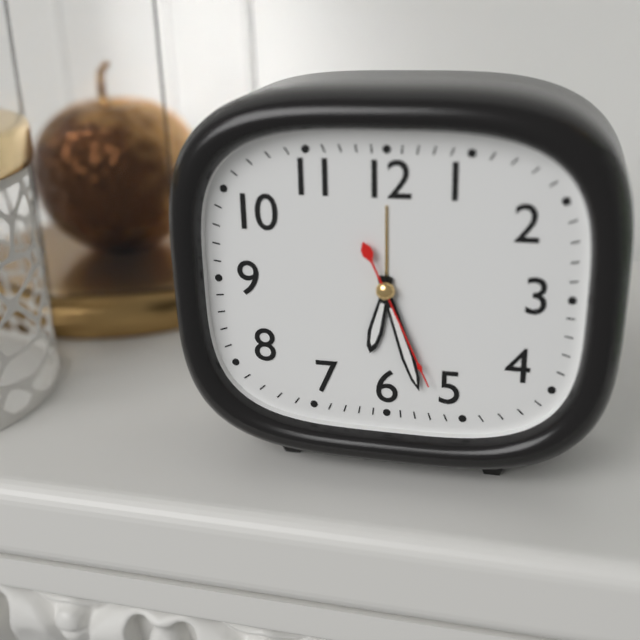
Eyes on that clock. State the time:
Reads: 6:27:26
